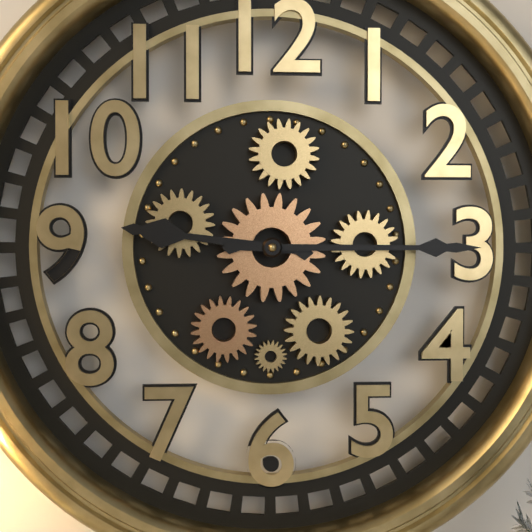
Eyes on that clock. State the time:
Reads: 9:15
